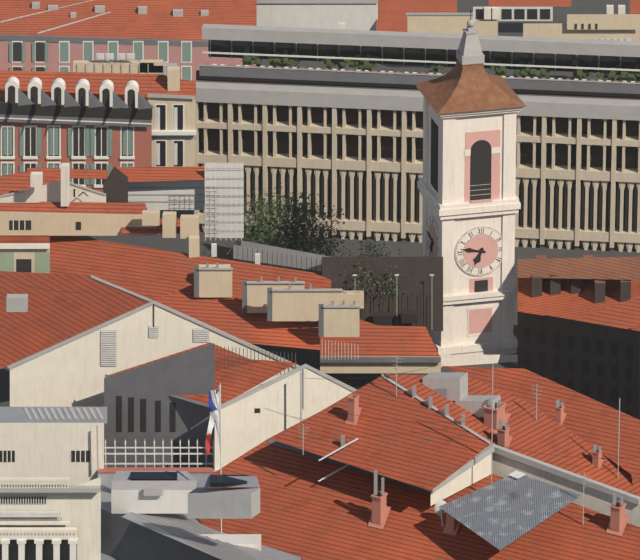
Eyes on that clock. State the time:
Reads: 6:47
